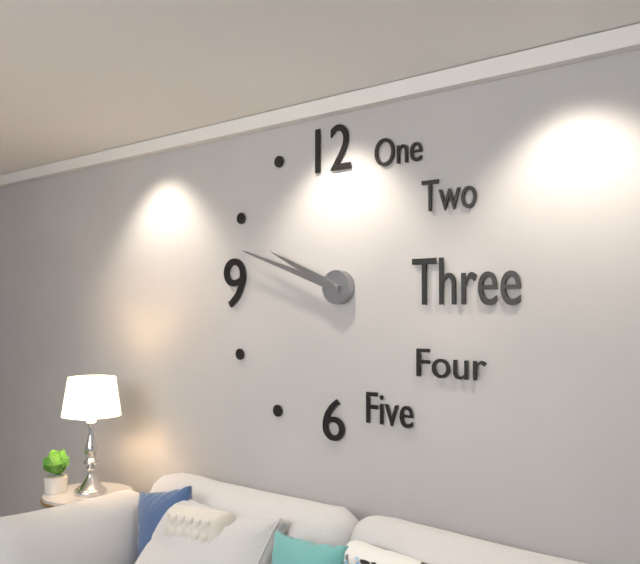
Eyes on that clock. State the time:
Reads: 9:48
